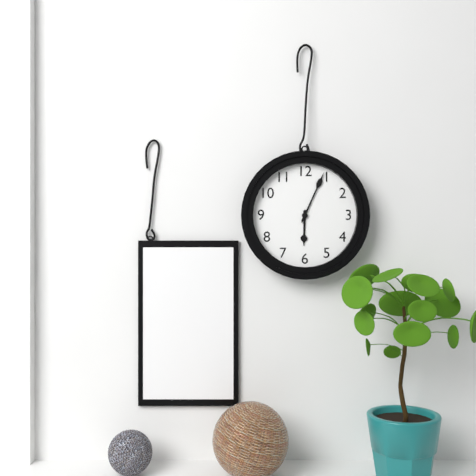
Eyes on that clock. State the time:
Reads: 6:04
